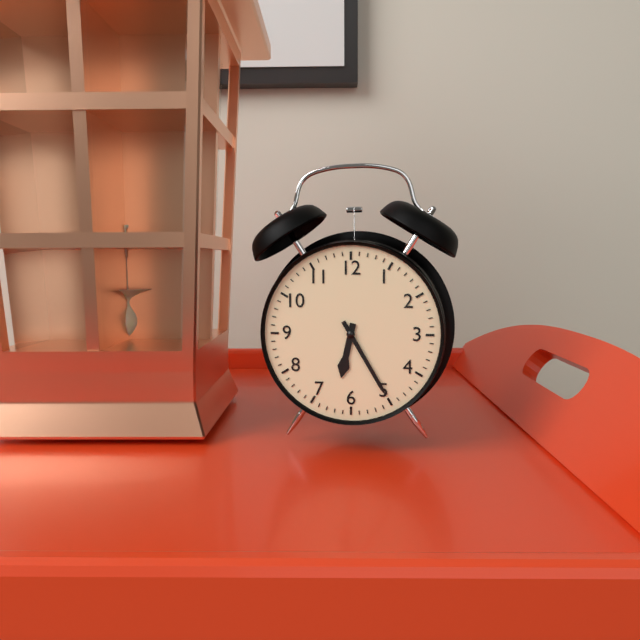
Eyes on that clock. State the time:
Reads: 6:25
